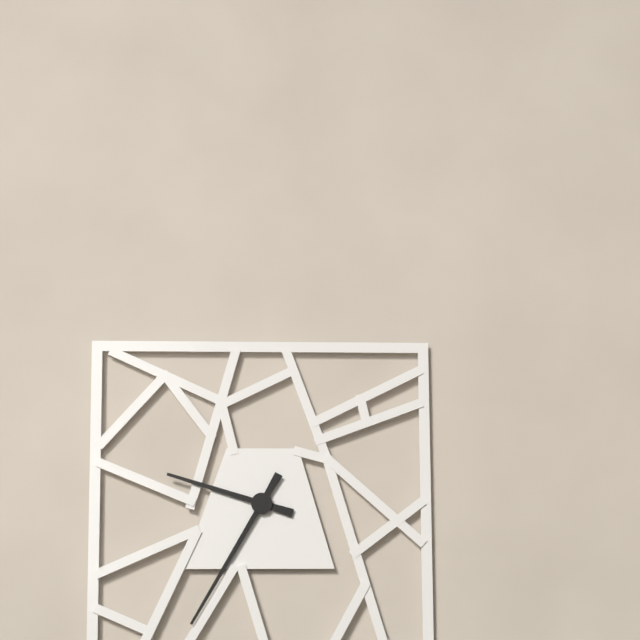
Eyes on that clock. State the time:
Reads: 9:35
